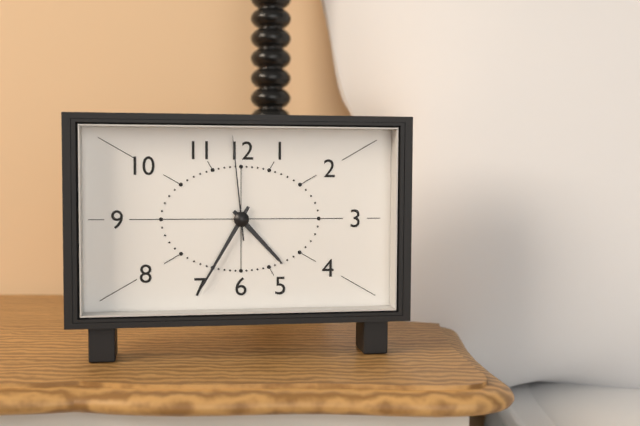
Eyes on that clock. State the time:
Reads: 4:35:59
